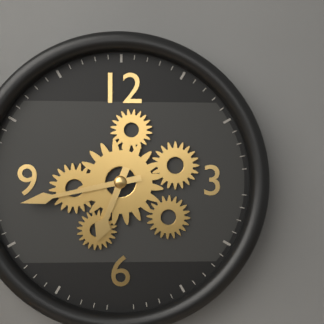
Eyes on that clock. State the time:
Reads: 6:43
